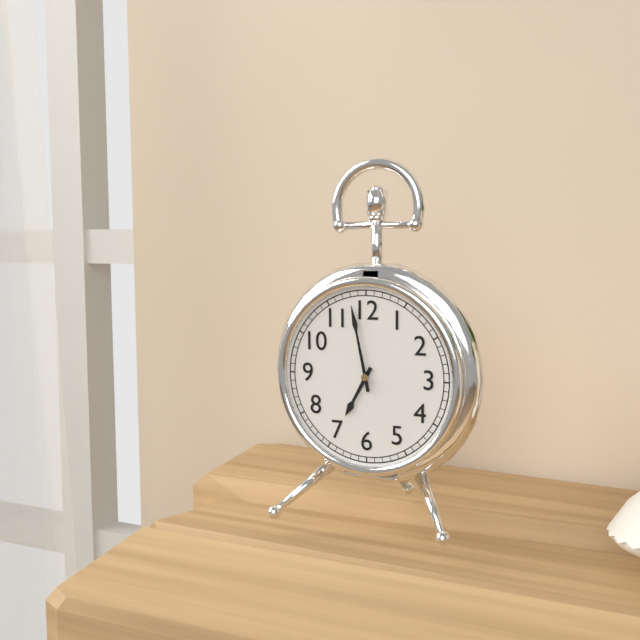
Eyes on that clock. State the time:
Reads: 6:58
